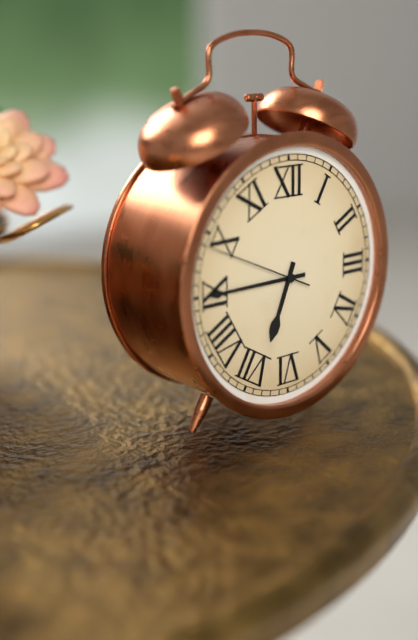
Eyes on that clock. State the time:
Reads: 6:45:49
